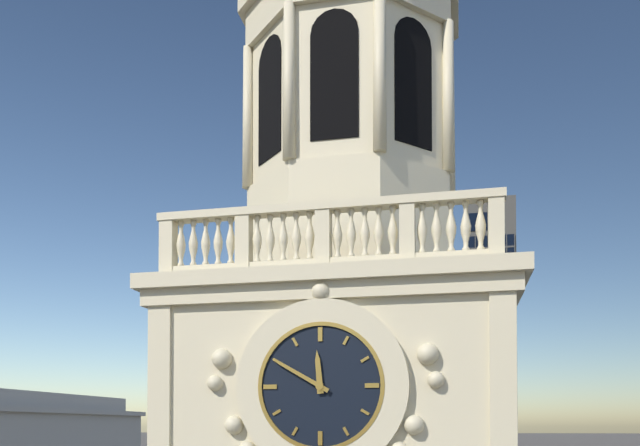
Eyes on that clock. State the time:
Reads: 11:50
